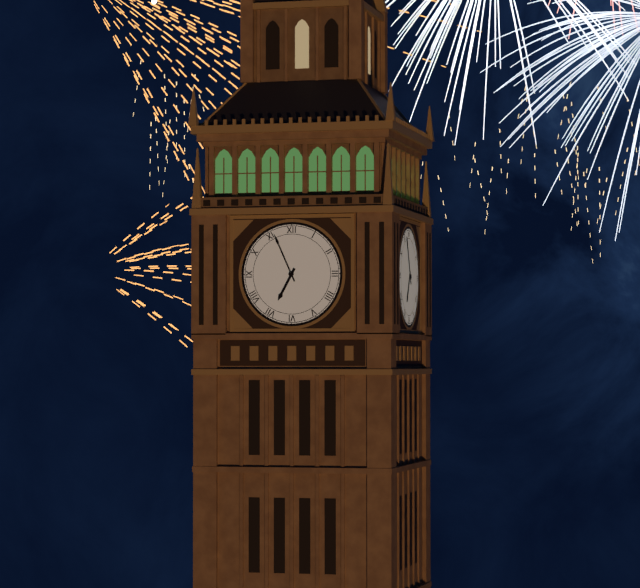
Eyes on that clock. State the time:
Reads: 6:56
